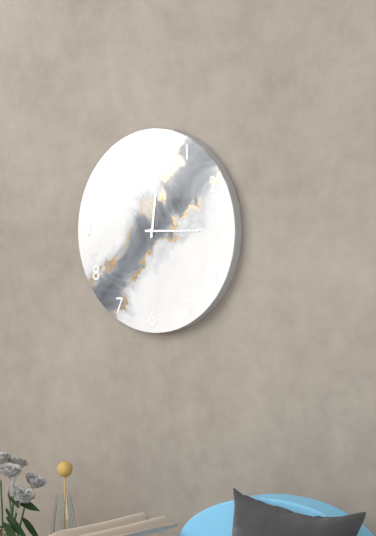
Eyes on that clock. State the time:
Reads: 12:15
